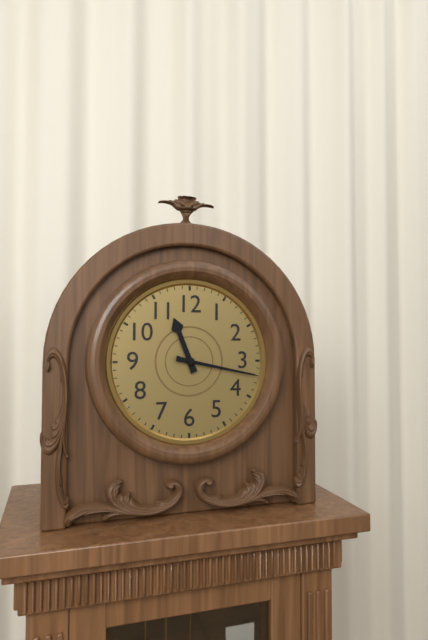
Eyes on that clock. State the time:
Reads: 11:17
